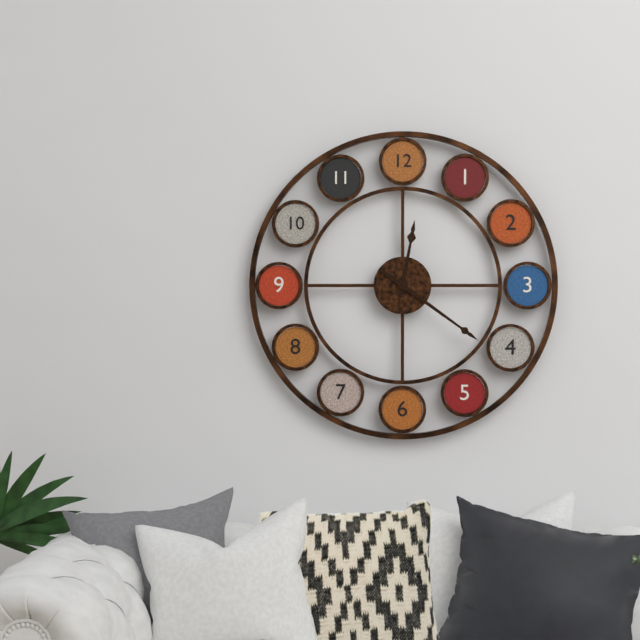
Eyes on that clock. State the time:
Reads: 12:21
